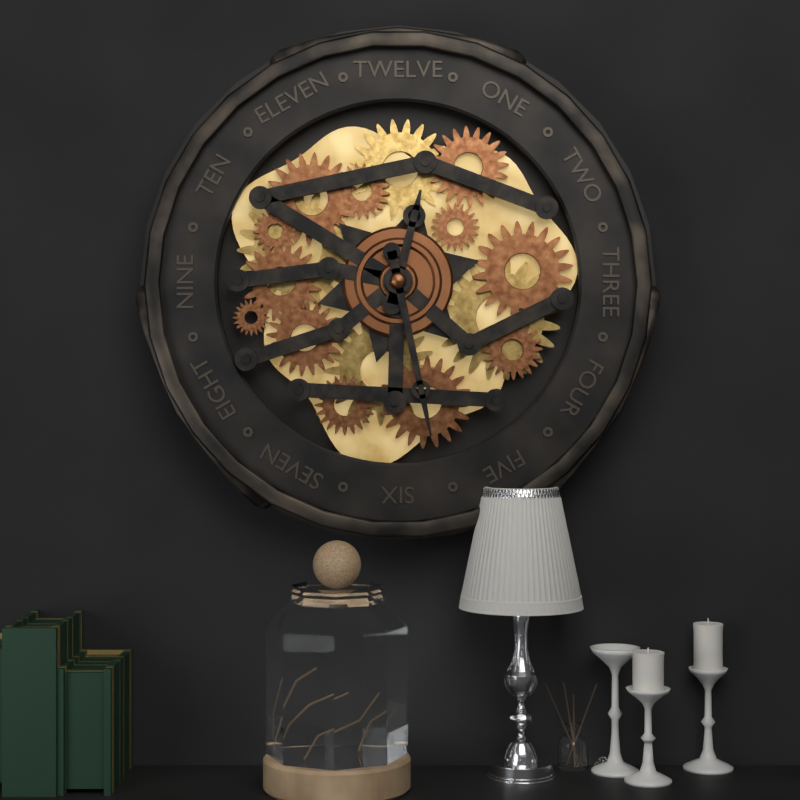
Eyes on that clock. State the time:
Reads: 12:28
